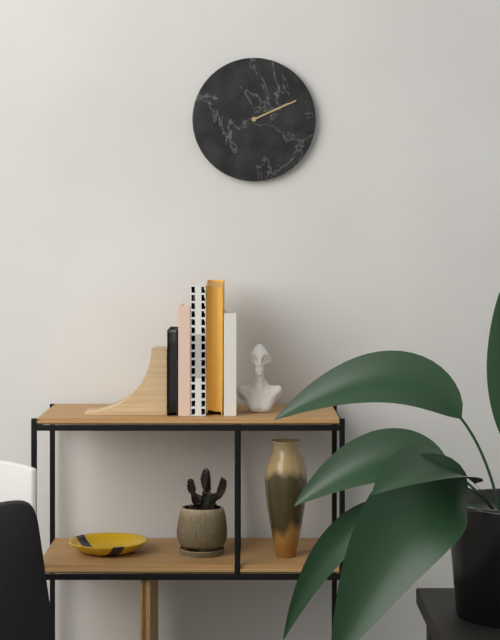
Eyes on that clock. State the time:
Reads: 2:11
